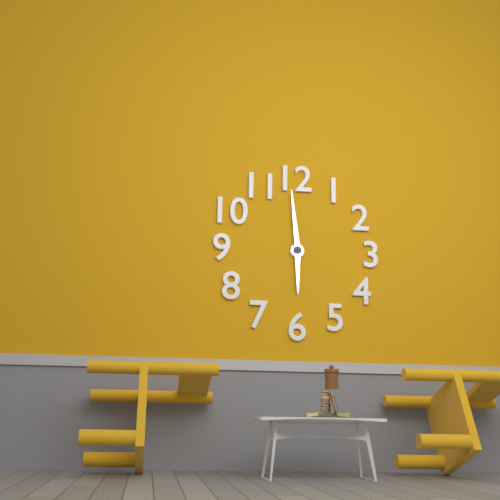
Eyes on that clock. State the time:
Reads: 5:59
